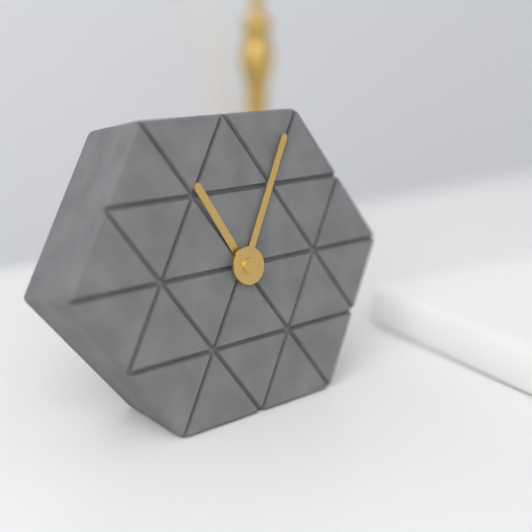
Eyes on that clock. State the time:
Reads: 11:05
